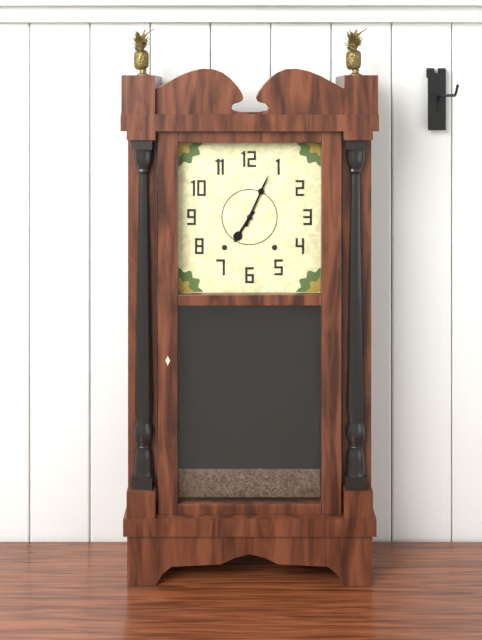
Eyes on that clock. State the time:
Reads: 7:04
